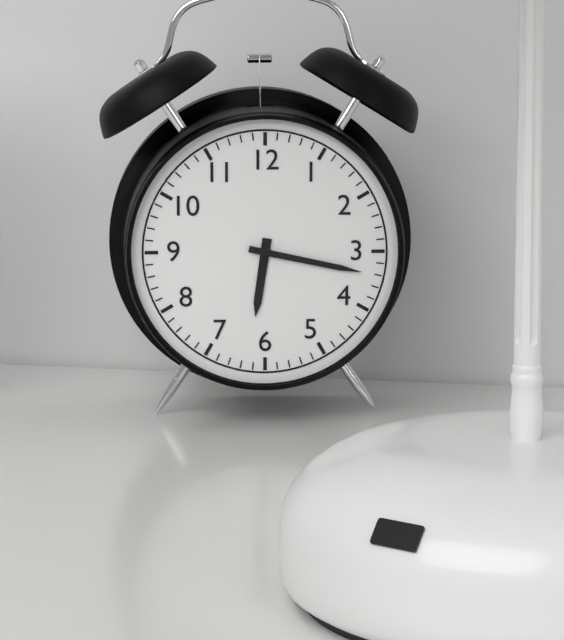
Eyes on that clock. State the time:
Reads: 6:17
